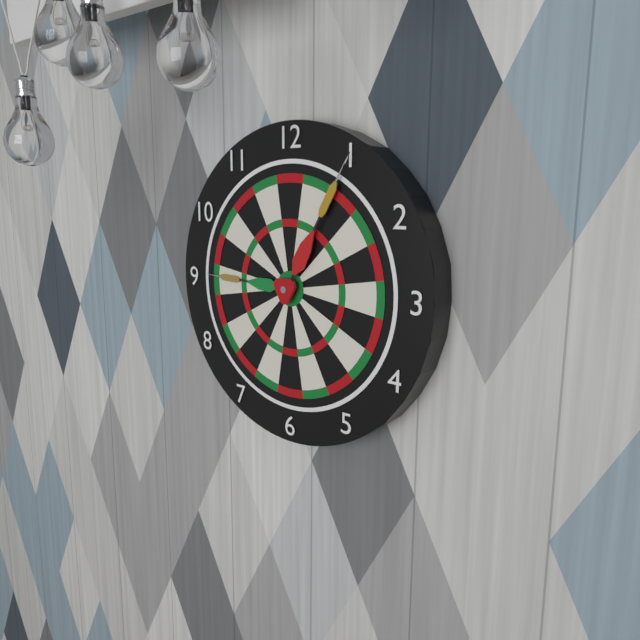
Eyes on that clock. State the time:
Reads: 9:05
